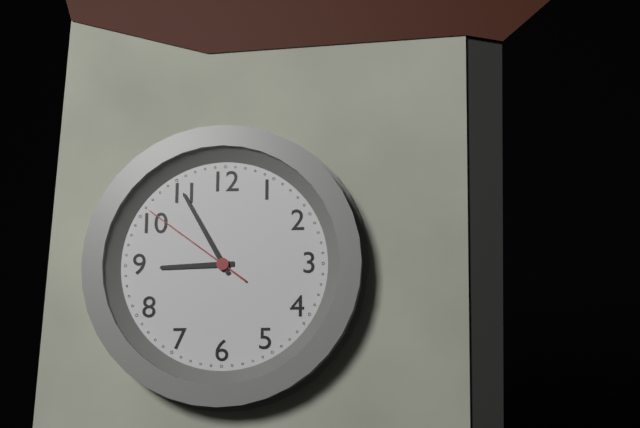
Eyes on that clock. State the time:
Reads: 8:55:51
